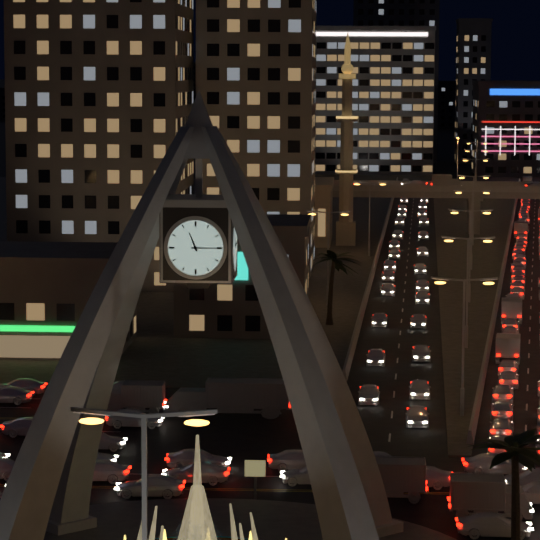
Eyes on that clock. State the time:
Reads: 11:15
